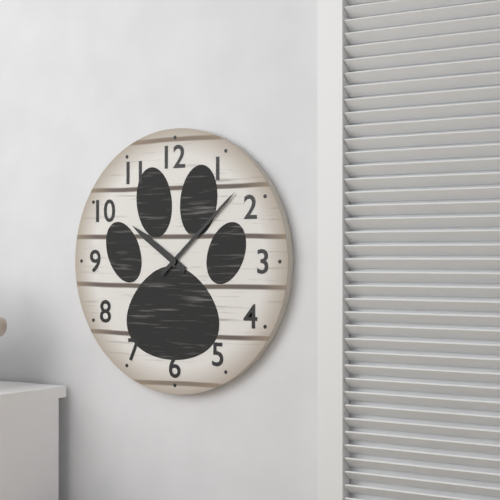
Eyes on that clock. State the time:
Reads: 10:08
